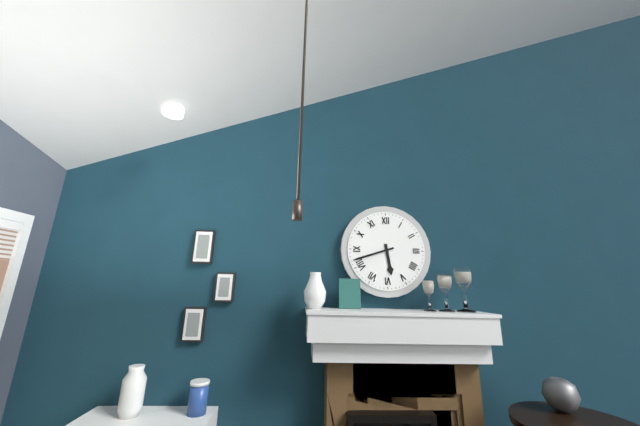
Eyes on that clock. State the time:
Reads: 5:42
